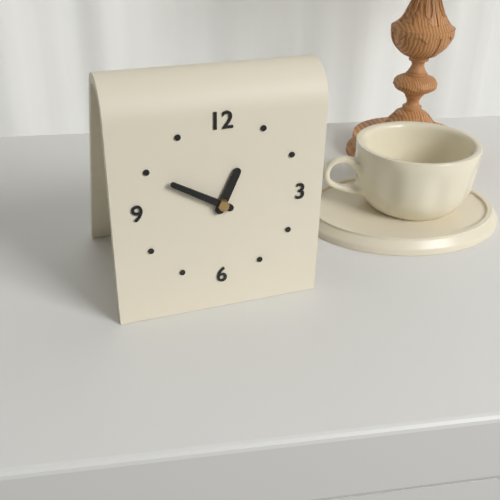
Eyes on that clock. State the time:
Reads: 12:50
